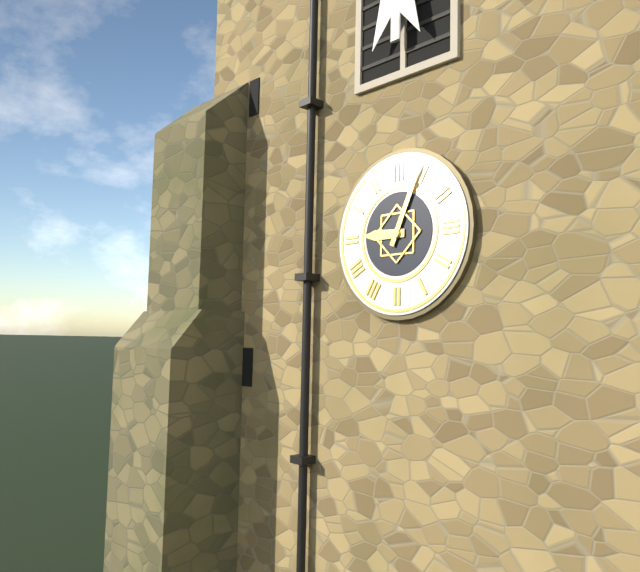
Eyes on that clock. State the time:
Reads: 9:04
